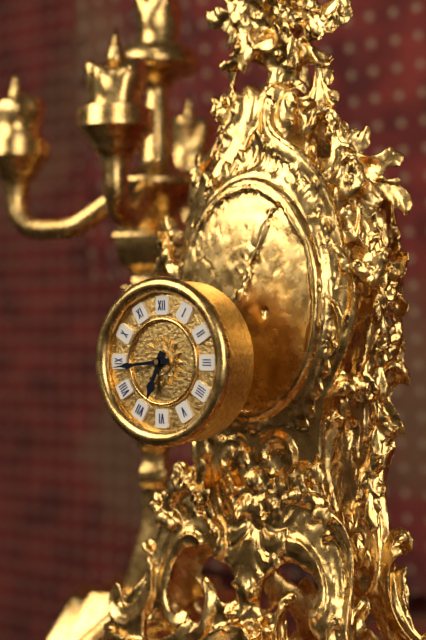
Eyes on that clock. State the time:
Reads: 6:44
